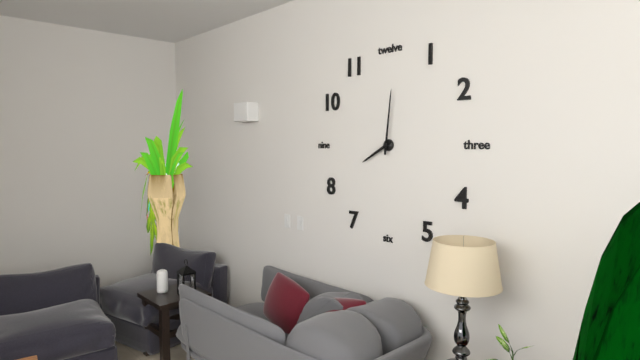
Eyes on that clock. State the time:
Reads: 8:01
